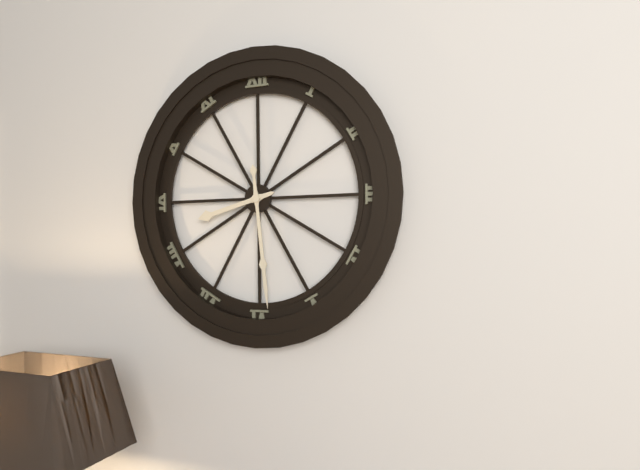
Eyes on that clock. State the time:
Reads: 8:29
